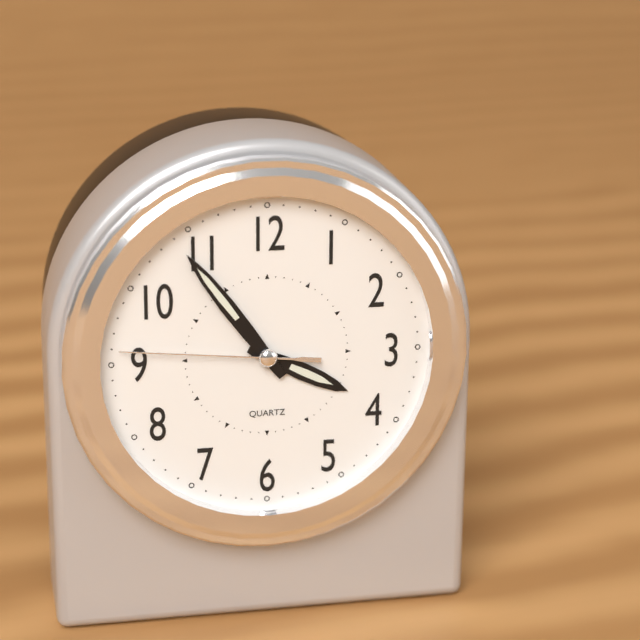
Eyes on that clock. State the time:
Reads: 3:54:46
